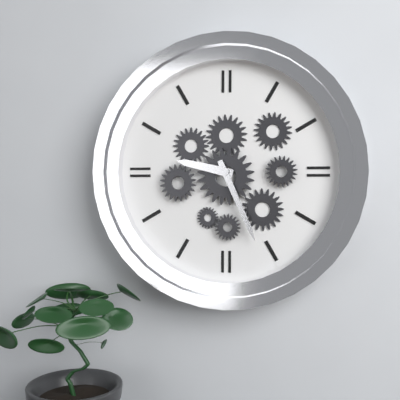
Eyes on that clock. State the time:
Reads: 9:26
